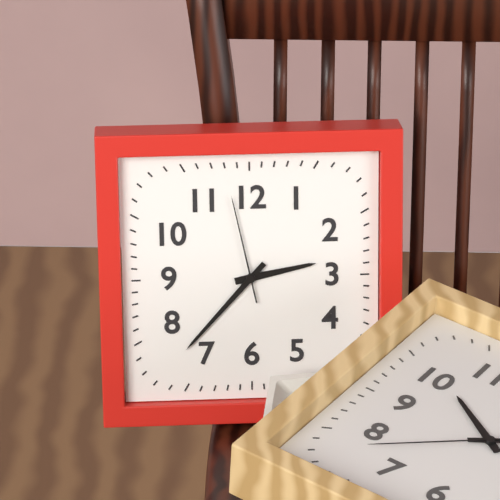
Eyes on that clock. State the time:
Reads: 2:37:58
